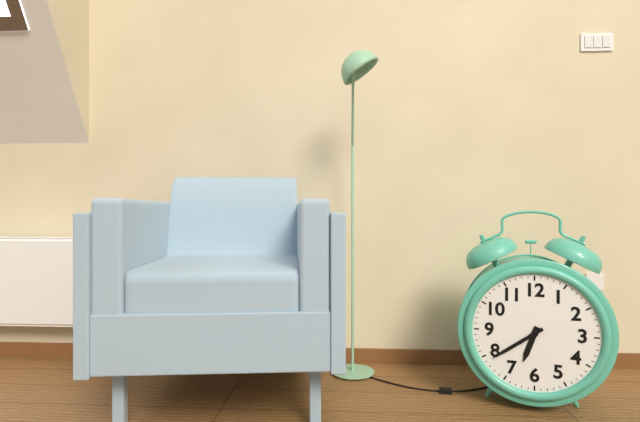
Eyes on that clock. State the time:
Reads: 6:39
